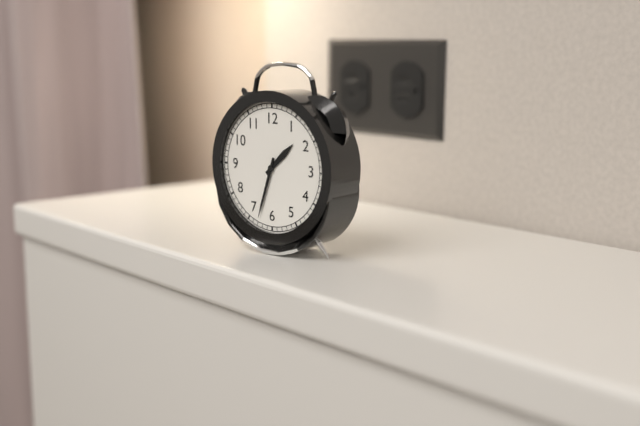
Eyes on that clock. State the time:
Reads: 1:33
